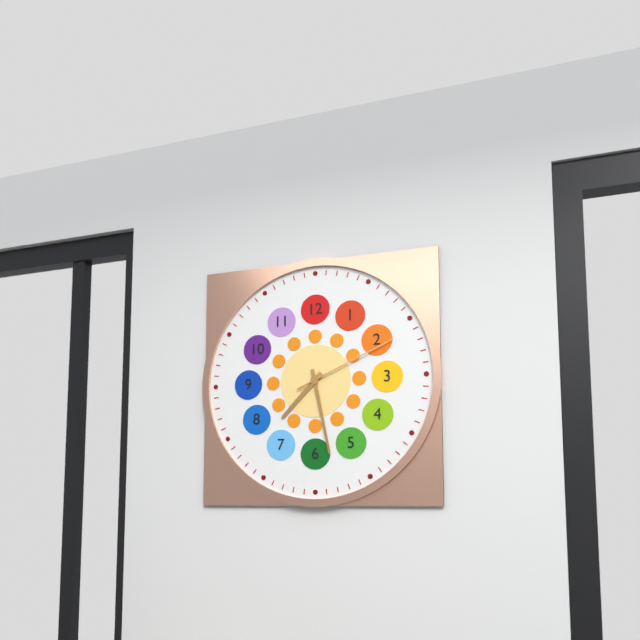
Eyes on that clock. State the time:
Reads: 7:28:11
